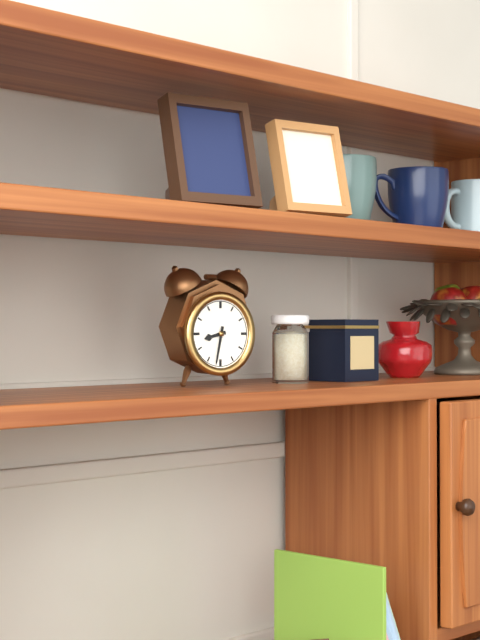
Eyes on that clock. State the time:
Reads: 8:32
